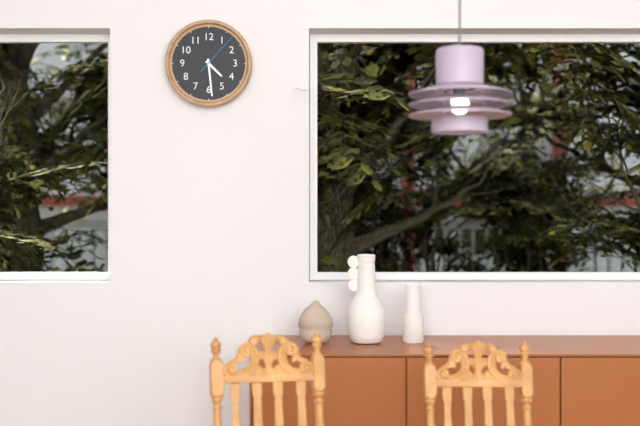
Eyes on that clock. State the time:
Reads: 4:29
